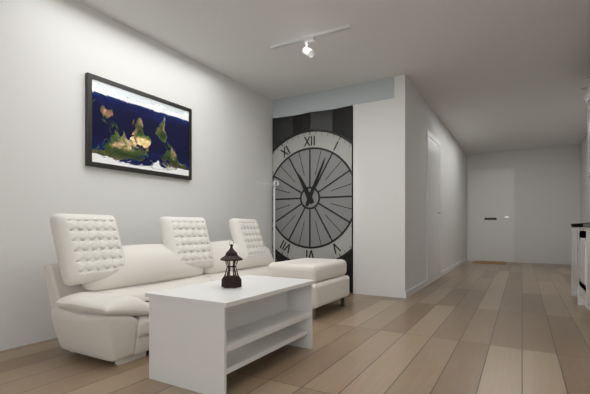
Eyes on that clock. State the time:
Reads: 11:04
